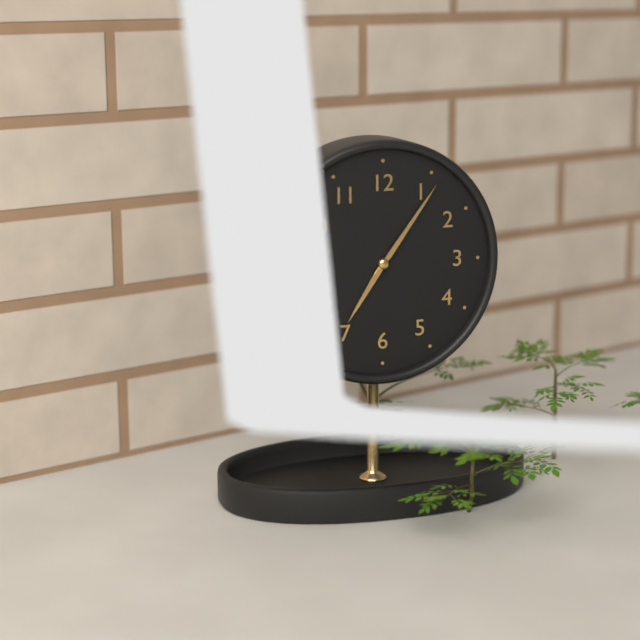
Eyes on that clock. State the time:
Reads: 7:06
